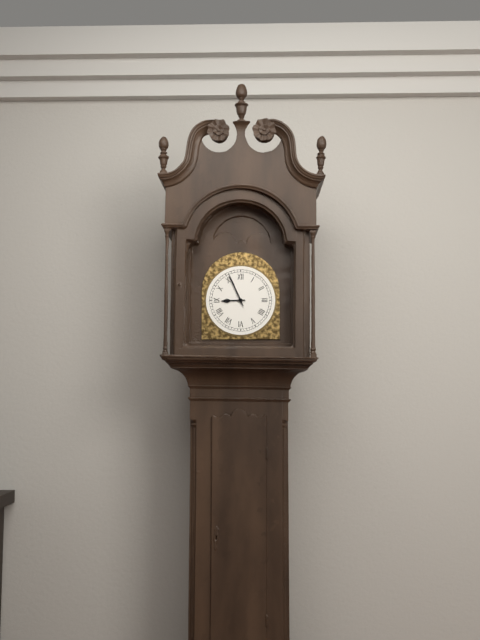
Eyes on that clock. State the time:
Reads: 8:56
